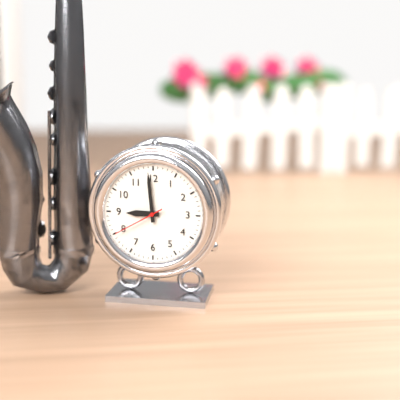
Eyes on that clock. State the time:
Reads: 8:59:40
